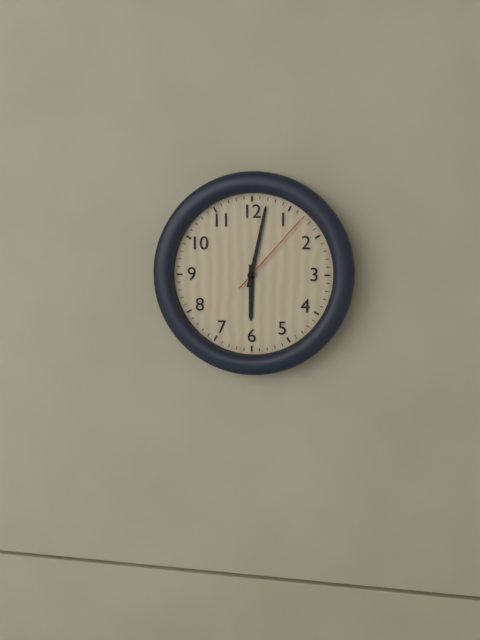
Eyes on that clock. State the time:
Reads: 6:02:07
